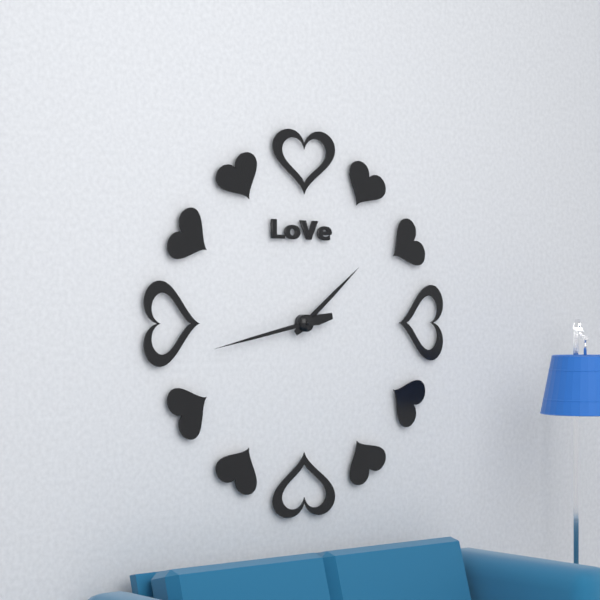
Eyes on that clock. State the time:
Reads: 1:43
